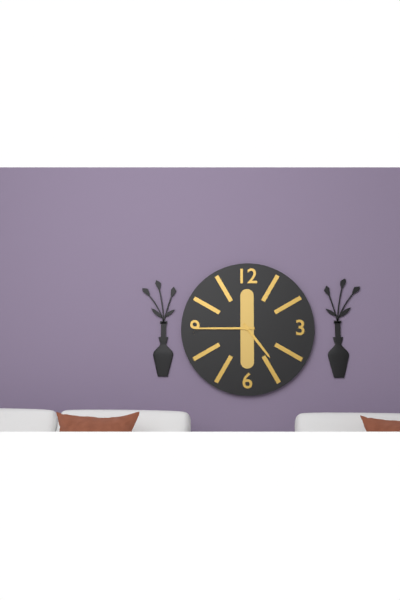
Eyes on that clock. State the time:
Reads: 4:45
